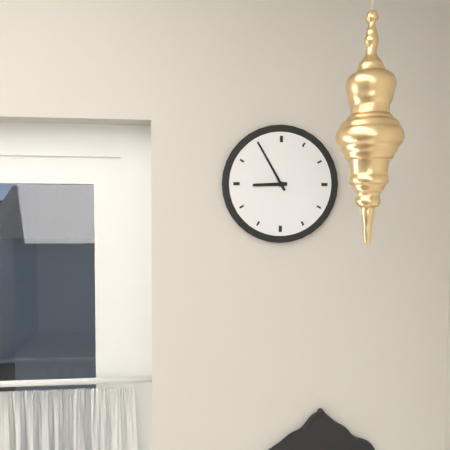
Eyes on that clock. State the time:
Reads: 8:55
